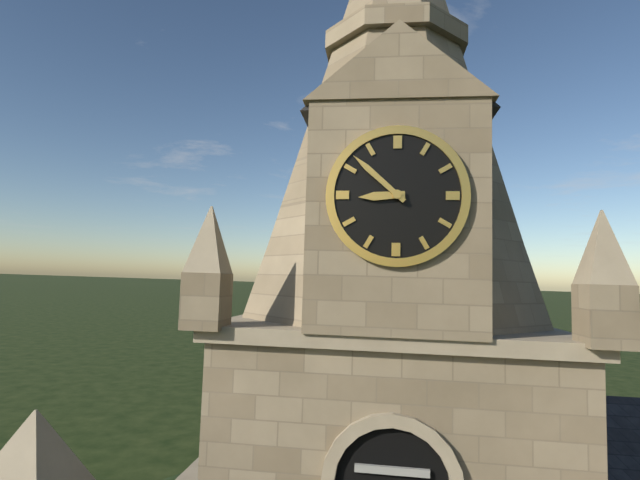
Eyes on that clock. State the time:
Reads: 8:52
